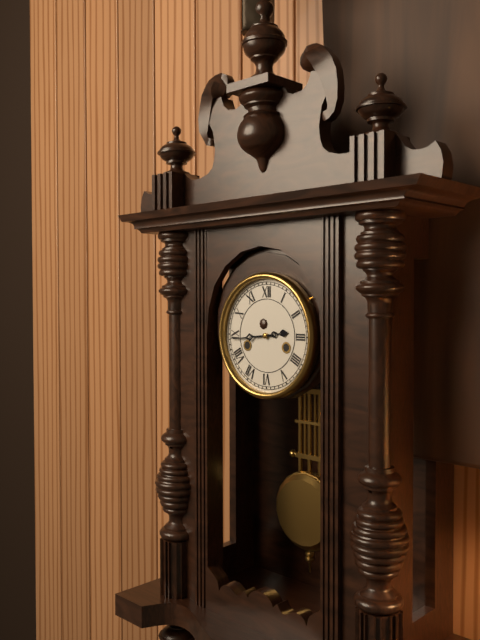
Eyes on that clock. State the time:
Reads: 2:44
